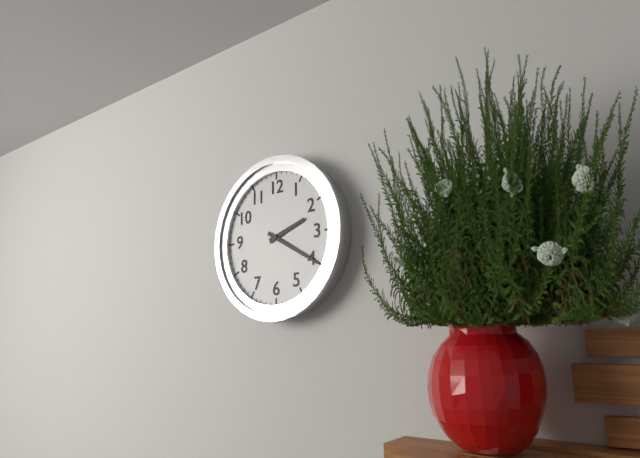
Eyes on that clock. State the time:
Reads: 2:20
